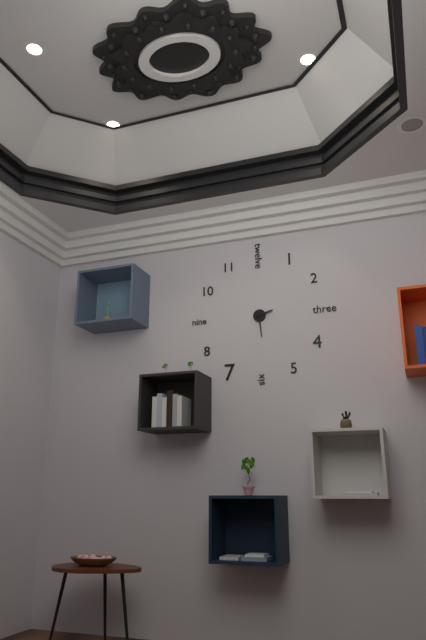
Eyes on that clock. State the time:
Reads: 2:29
